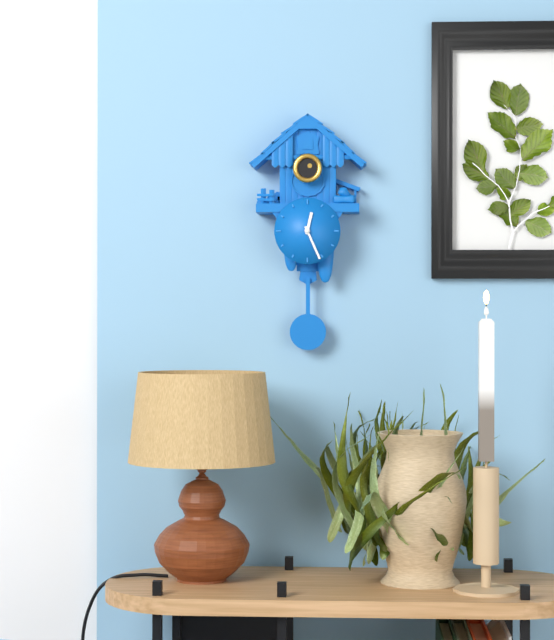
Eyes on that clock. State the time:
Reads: 12:26
